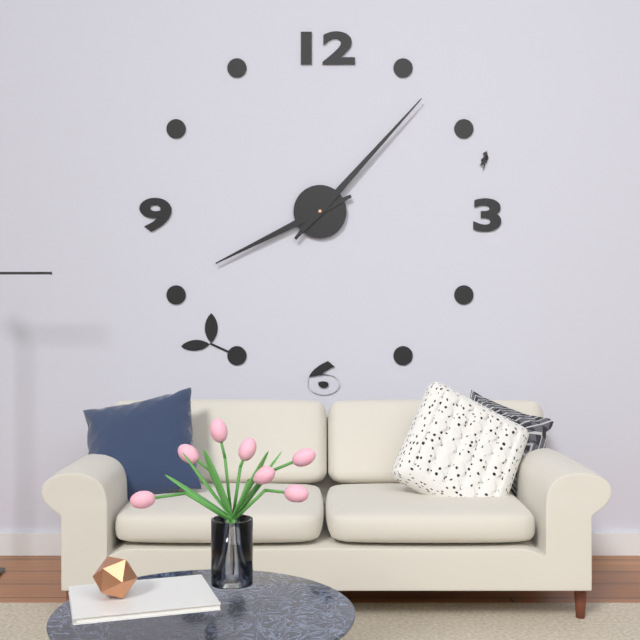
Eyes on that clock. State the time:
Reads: 8:07
